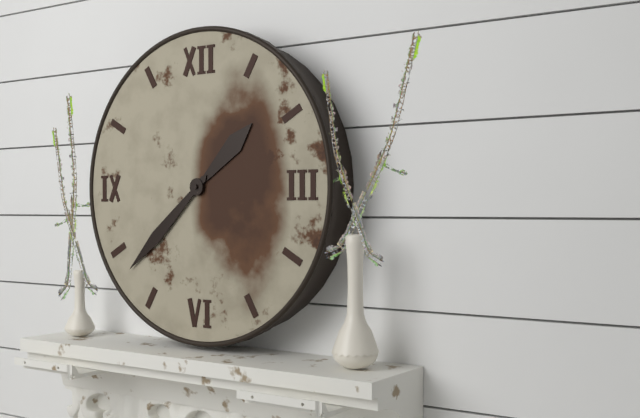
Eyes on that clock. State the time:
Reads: 1:38
